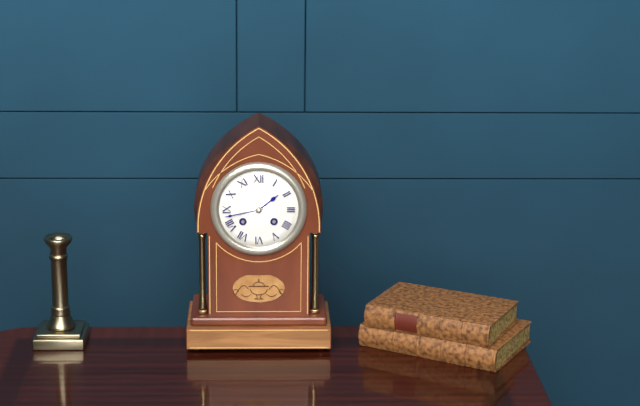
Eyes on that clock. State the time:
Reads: 1:43
